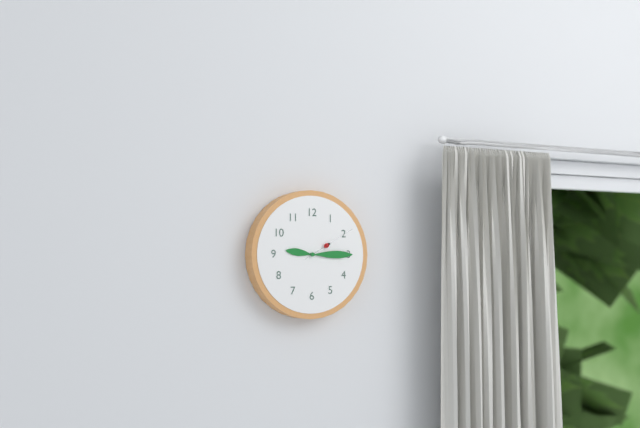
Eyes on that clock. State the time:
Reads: 9:15:10
